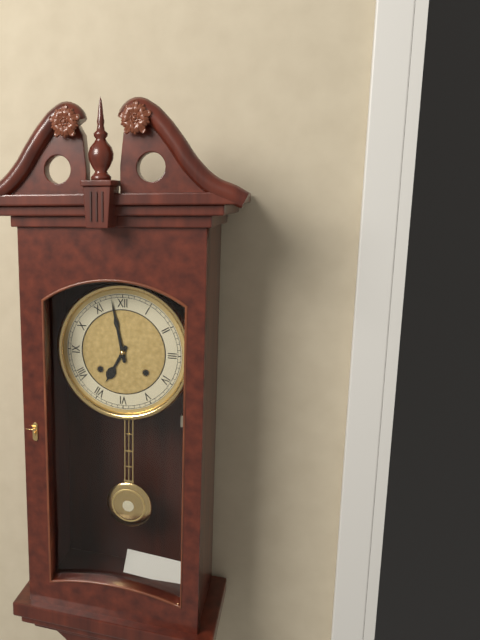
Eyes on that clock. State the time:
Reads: 6:58
